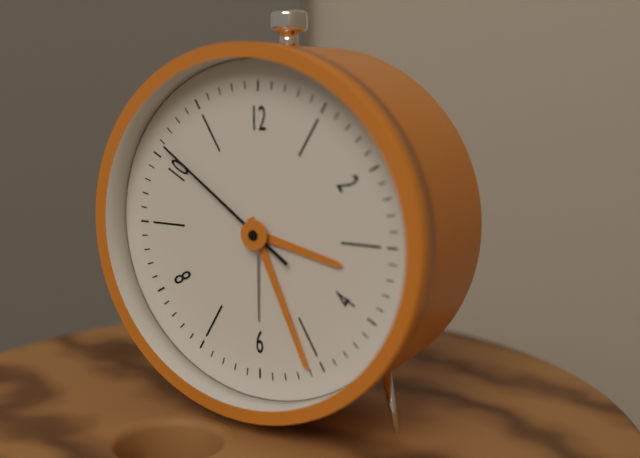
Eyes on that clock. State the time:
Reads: 3:26:51
